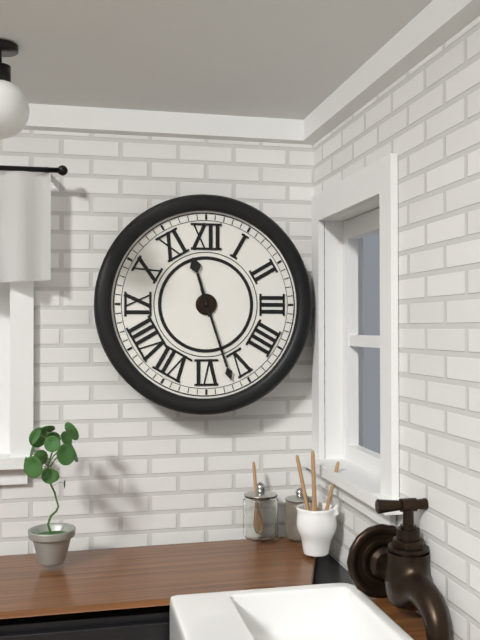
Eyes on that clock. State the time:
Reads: 11:27
